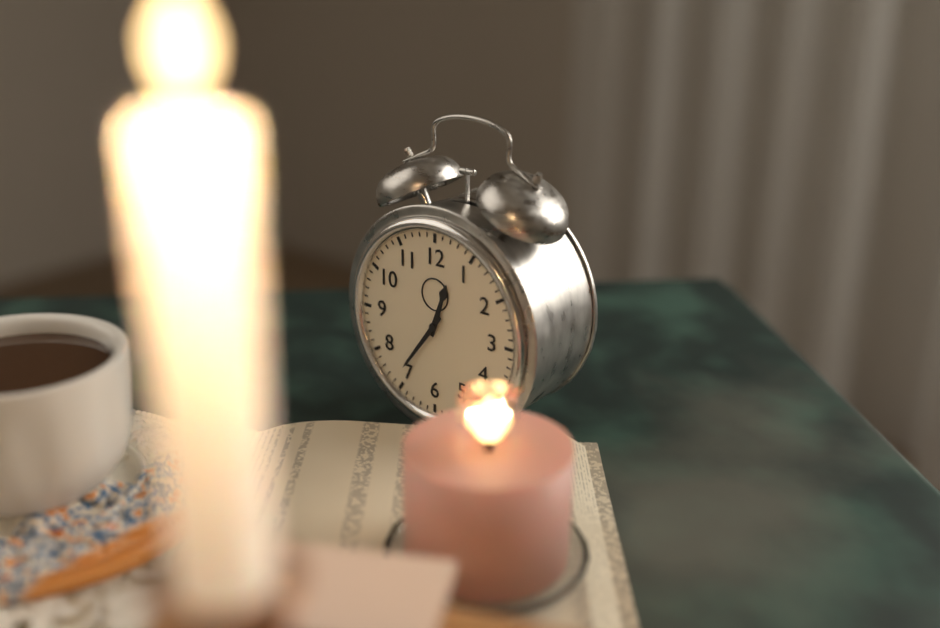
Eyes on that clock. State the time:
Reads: 12:36
